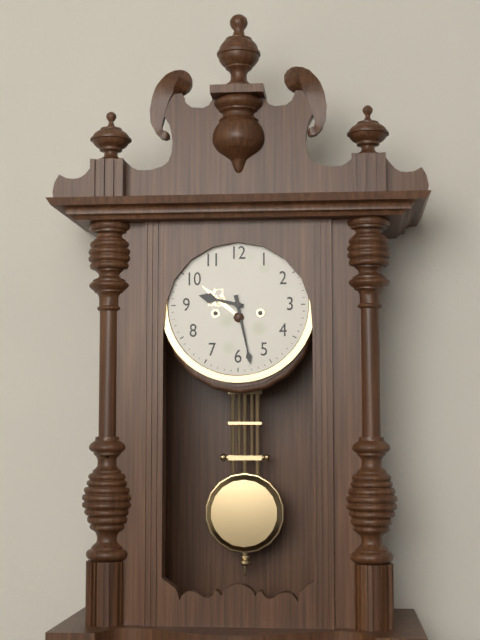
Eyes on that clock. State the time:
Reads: 9:28
